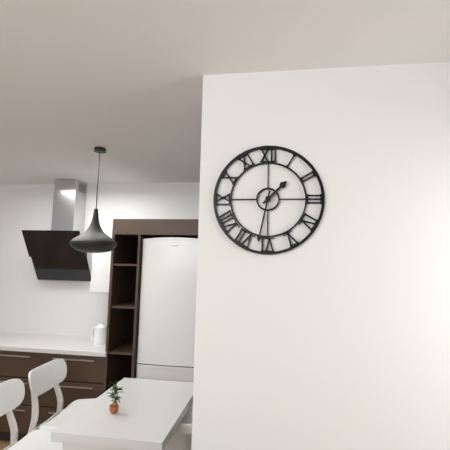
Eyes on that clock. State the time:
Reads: 1:32
